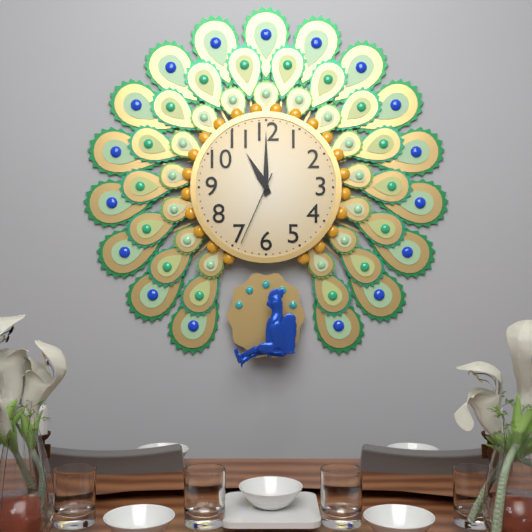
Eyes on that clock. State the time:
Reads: 11:00:34
